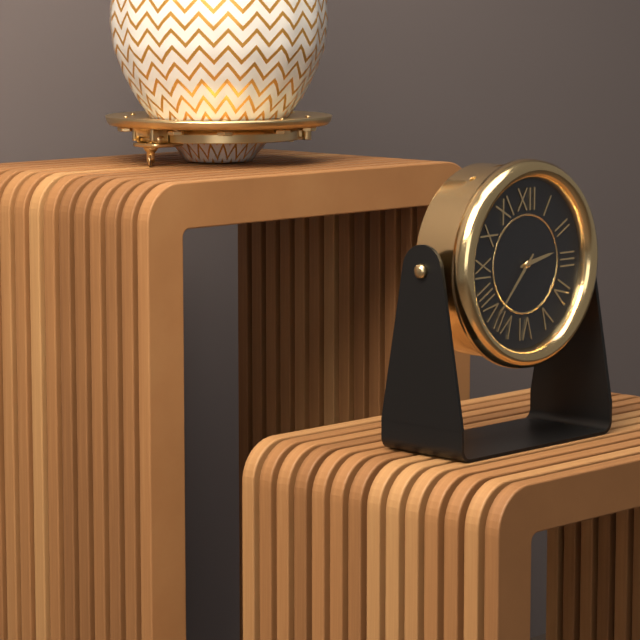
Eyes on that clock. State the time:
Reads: 2:37
